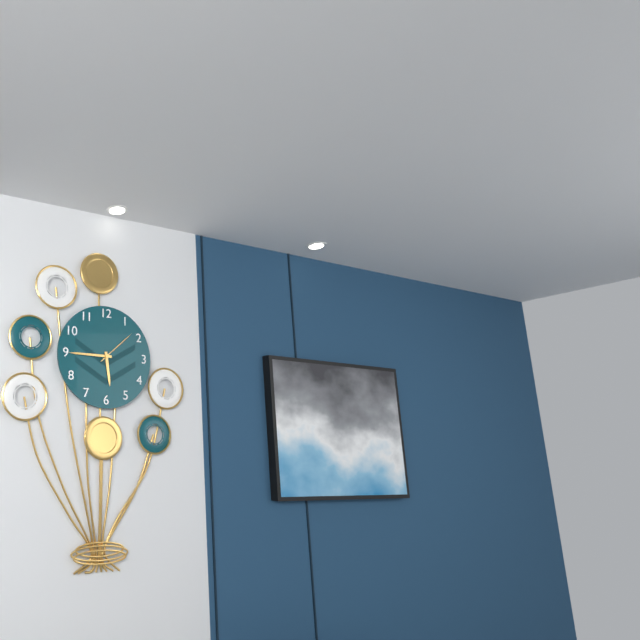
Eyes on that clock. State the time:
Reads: 5:45
